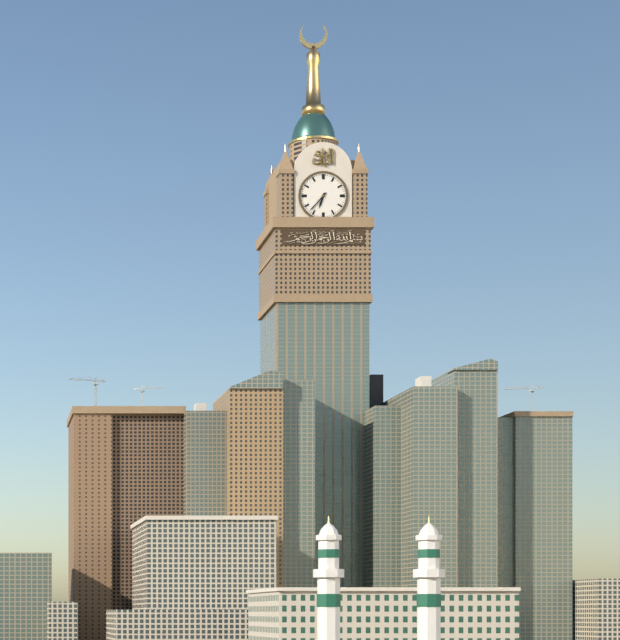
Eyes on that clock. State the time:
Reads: 6:37
